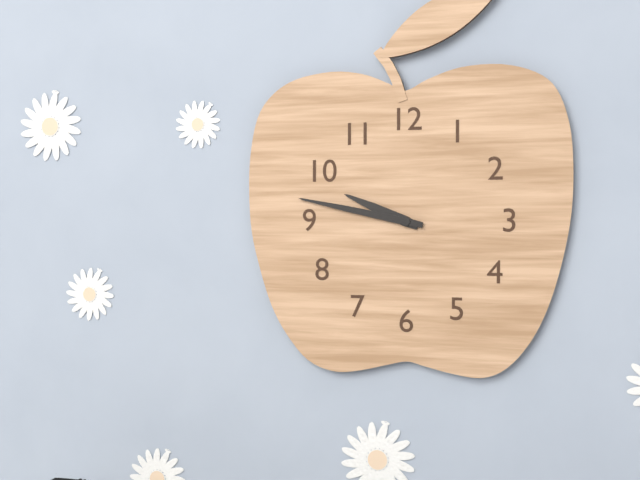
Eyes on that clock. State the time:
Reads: 9:47
